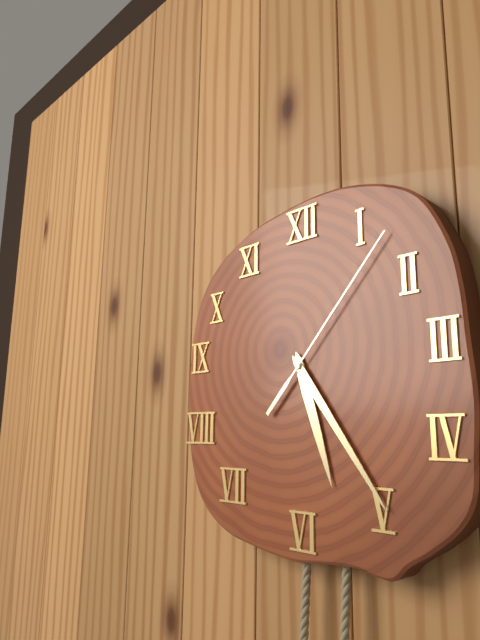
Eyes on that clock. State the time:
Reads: 5:24:07
